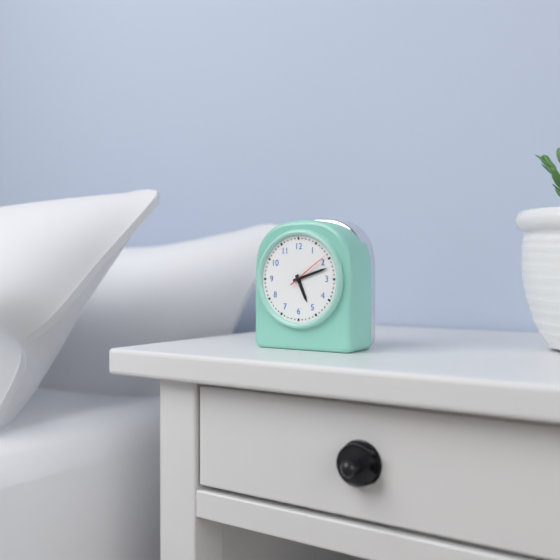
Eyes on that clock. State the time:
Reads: 5:12
